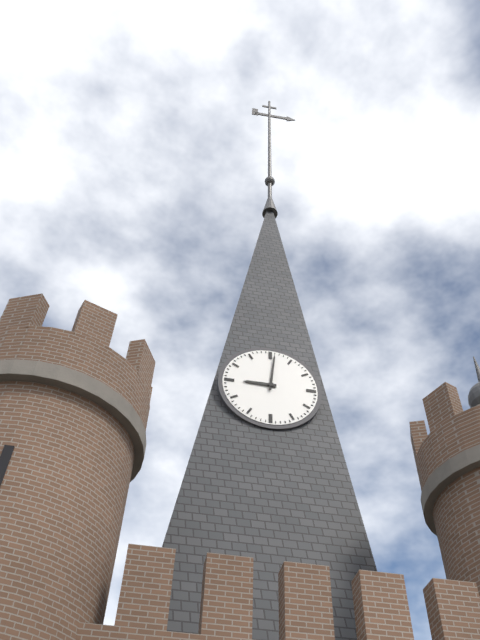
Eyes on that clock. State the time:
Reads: 9:01
